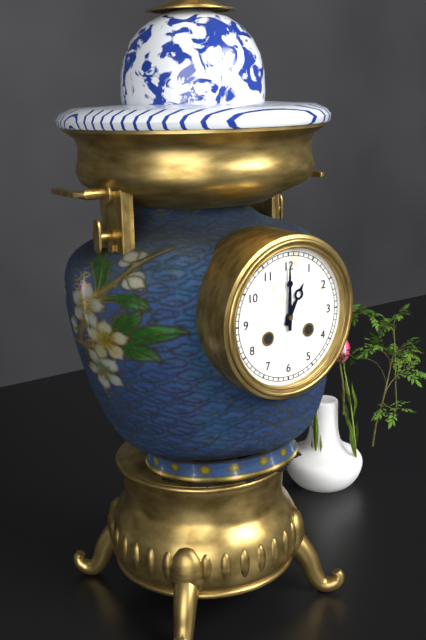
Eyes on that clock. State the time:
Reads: 1:00
